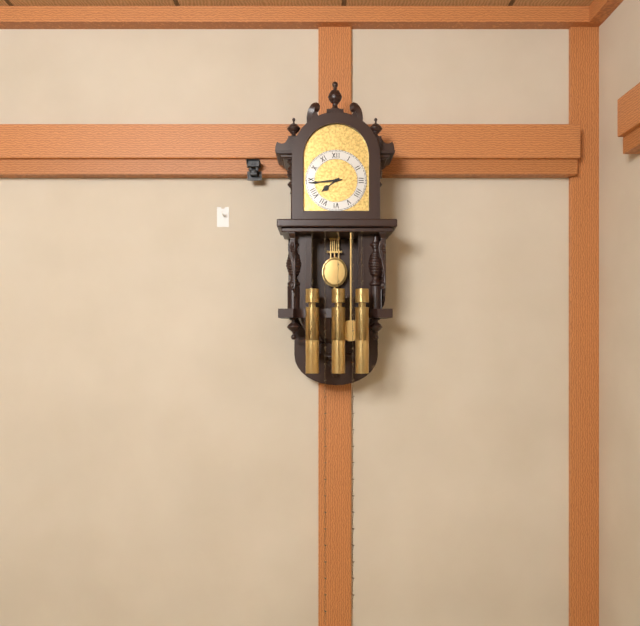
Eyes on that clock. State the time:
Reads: 7:44
